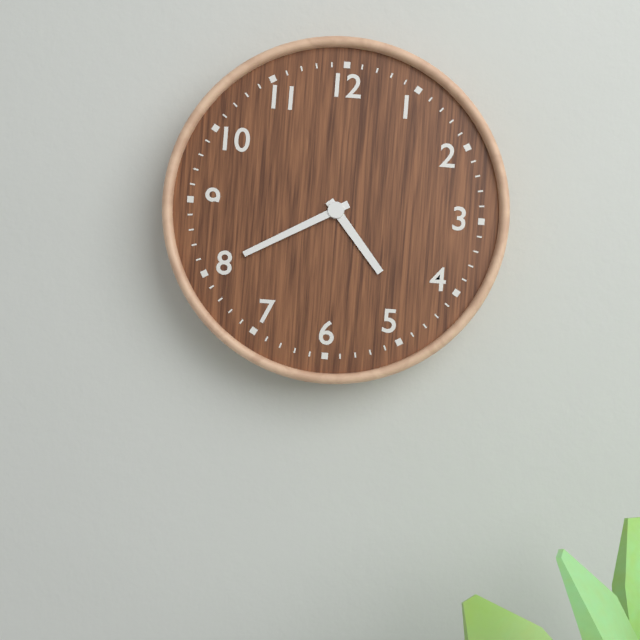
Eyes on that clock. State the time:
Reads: 4:40
